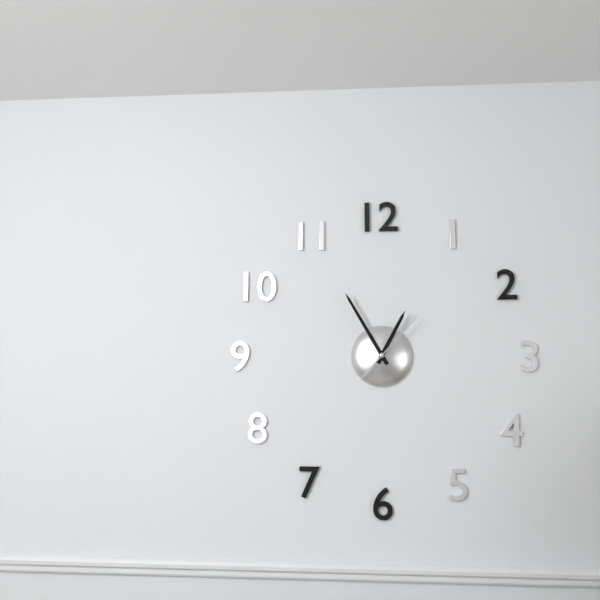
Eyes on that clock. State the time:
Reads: 12:55:07
